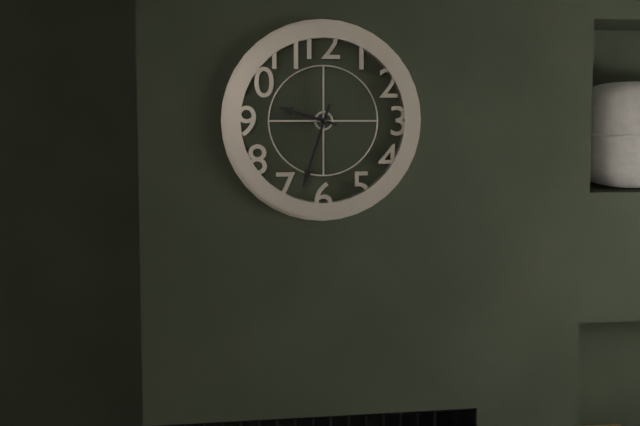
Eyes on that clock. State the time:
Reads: 9:33
